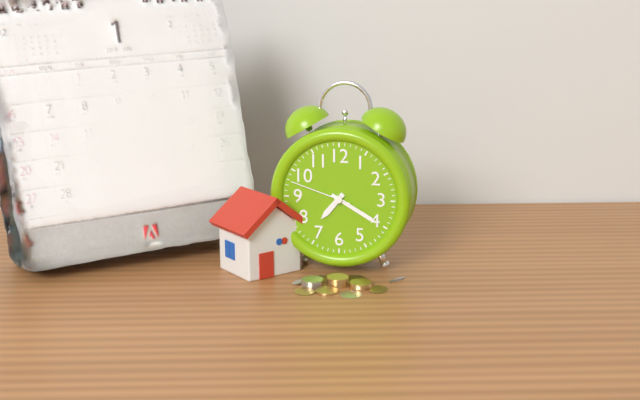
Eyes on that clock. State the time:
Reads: 7:20:48
